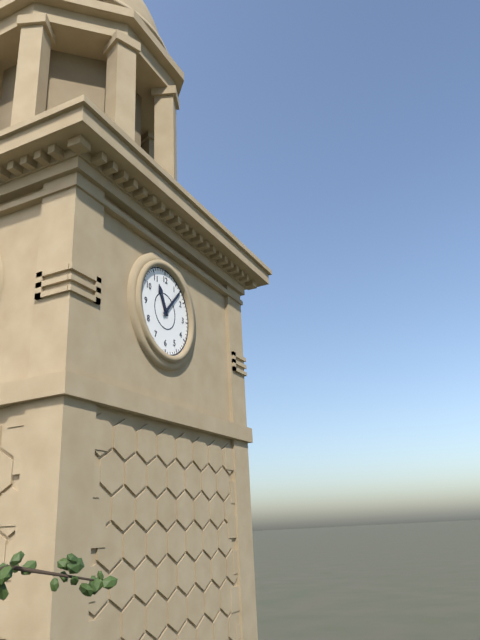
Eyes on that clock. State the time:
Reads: 11:07
